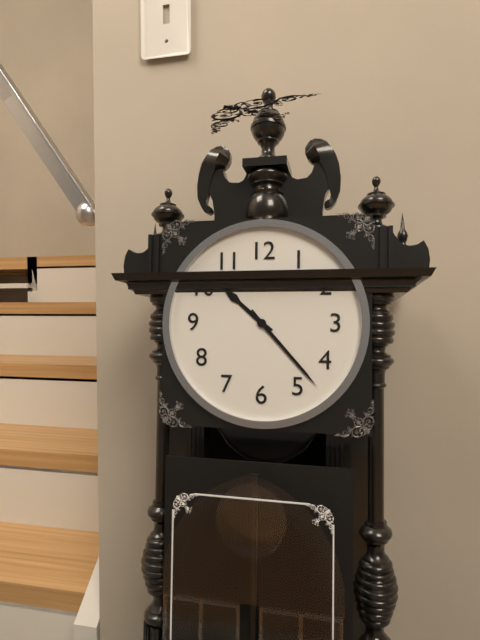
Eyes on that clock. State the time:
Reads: 10:23
